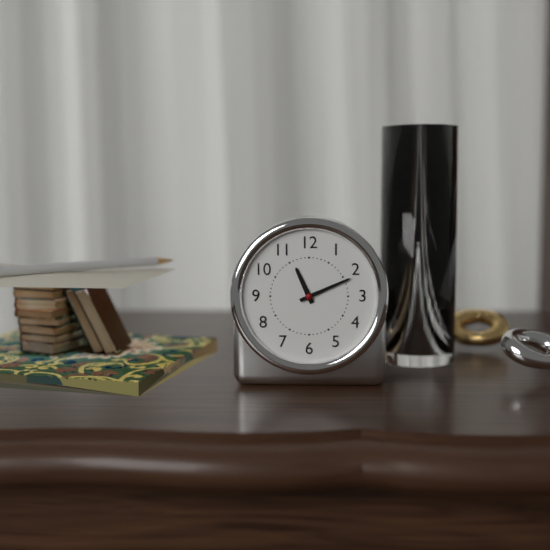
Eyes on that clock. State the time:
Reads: 11:11
